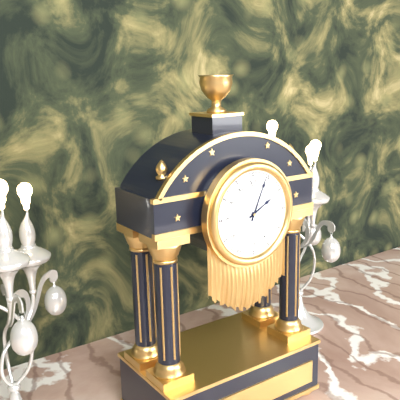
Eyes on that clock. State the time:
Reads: 2:04
